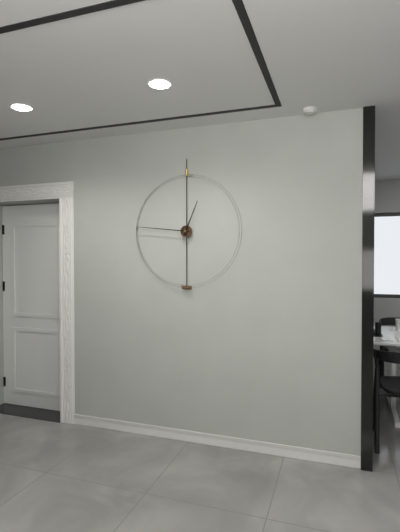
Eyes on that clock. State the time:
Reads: 12:46
